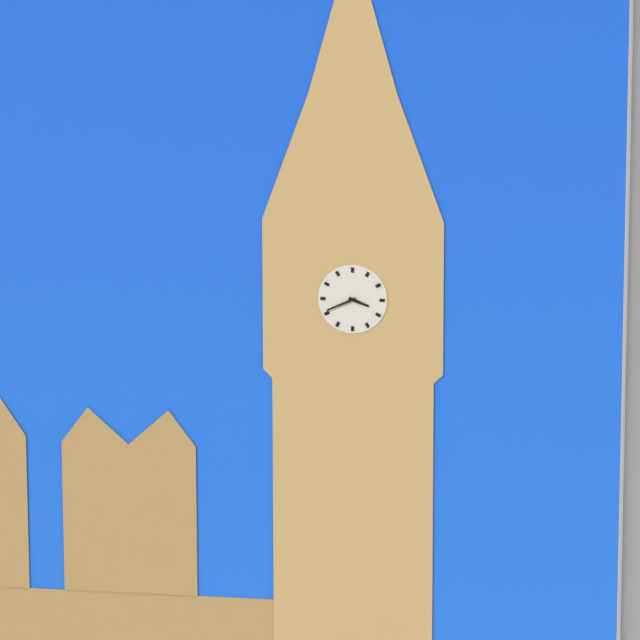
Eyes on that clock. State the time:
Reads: 3:41
